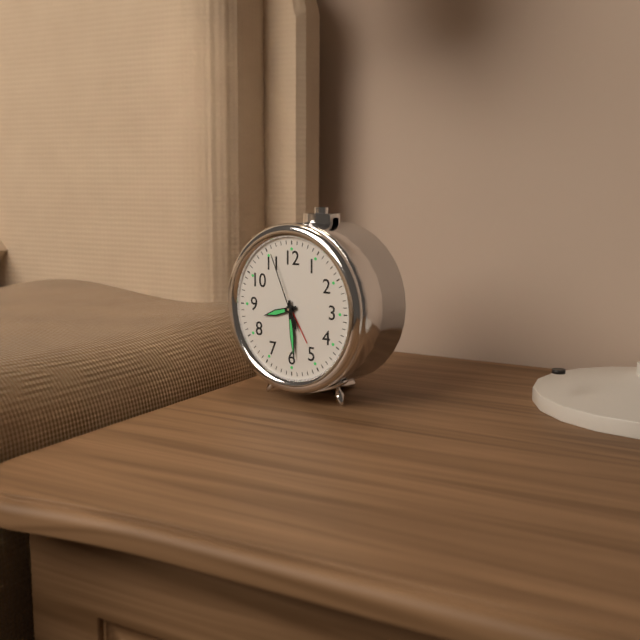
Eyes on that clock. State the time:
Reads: 8:29:56
